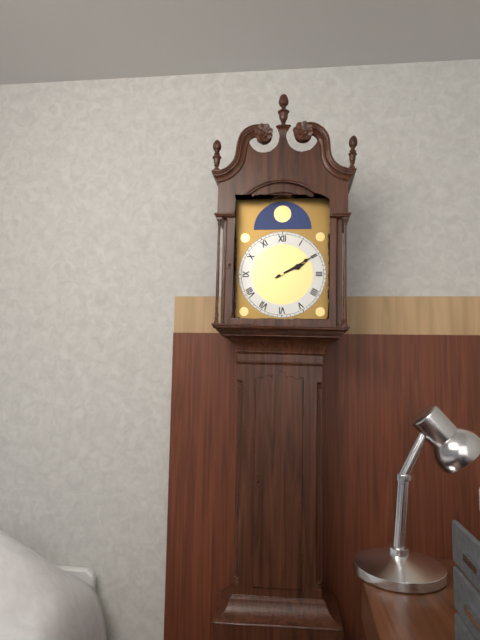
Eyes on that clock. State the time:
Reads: 2:10
